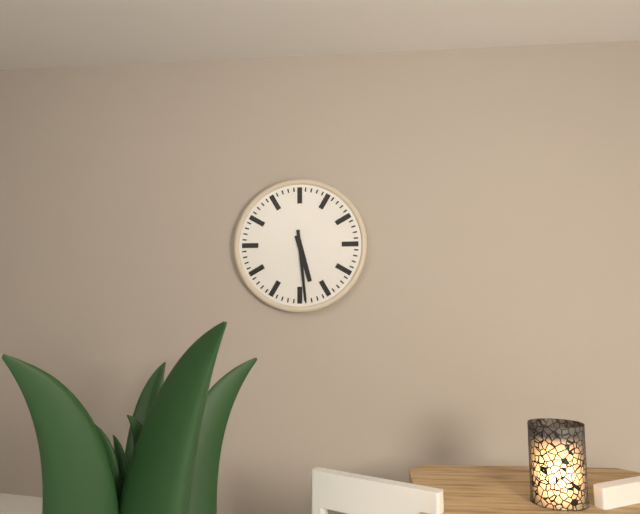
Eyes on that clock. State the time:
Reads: 5:29
